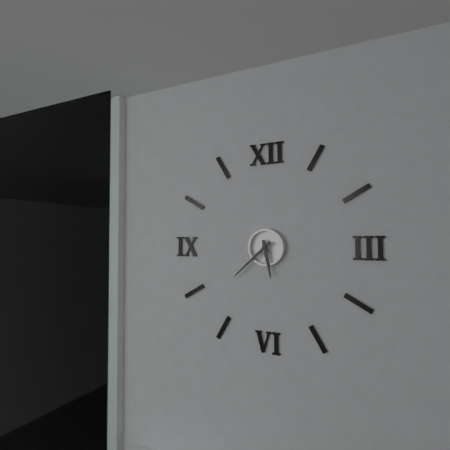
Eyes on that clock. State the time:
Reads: 5:38
